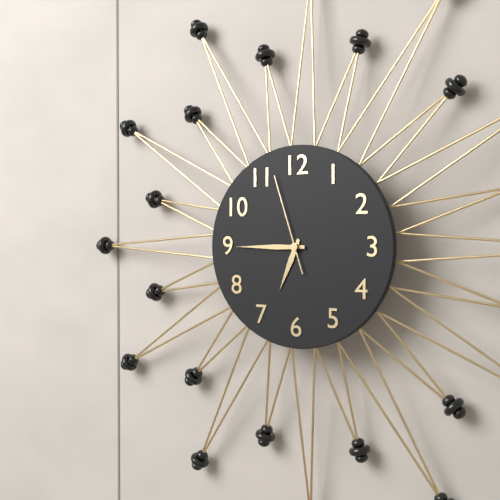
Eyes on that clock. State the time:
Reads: 6:45:57
